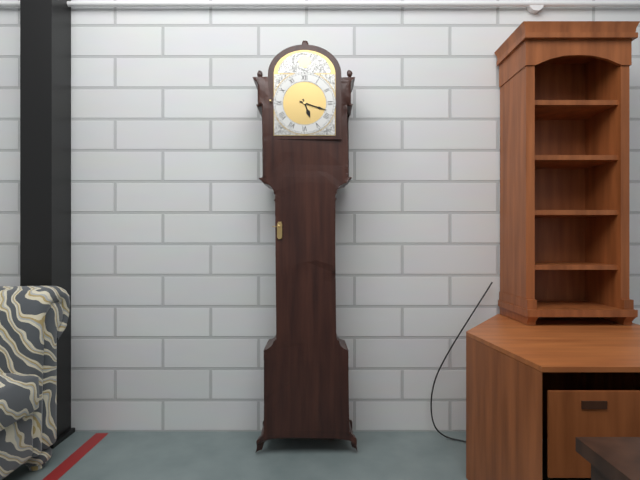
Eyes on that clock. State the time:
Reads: 5:18
